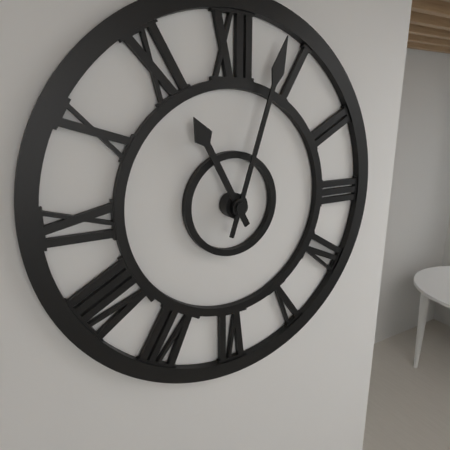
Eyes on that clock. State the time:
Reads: 11:03
